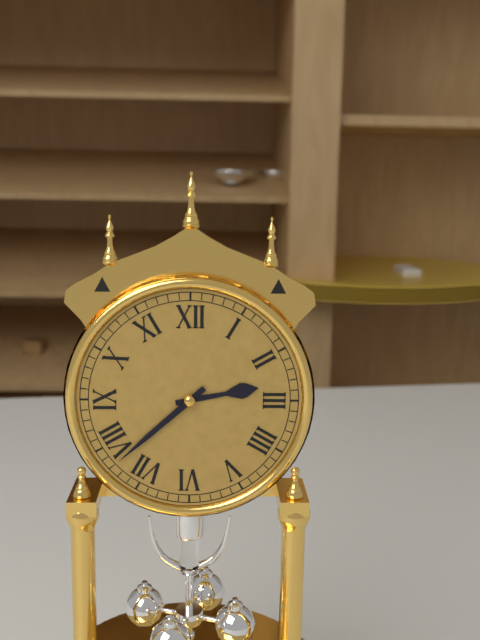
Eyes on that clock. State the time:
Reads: 2:38
